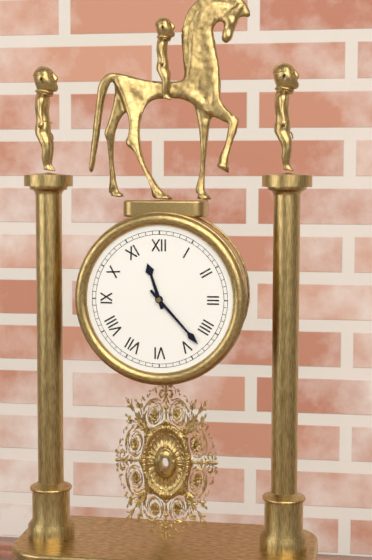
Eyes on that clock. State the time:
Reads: 11:23
